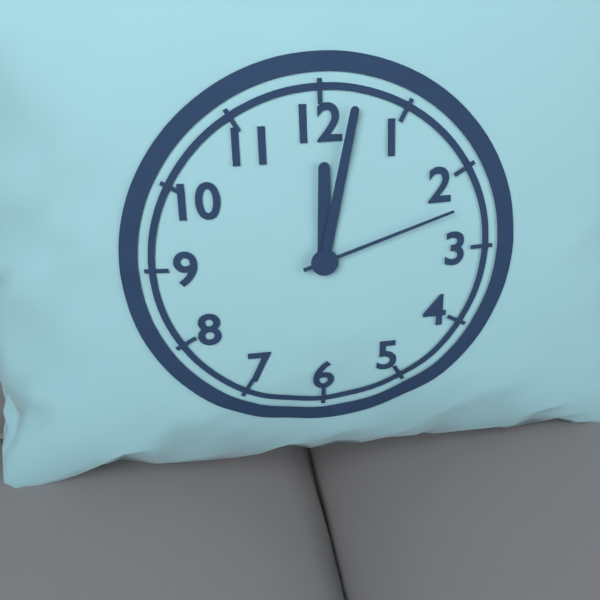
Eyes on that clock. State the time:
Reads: 12:02:12
